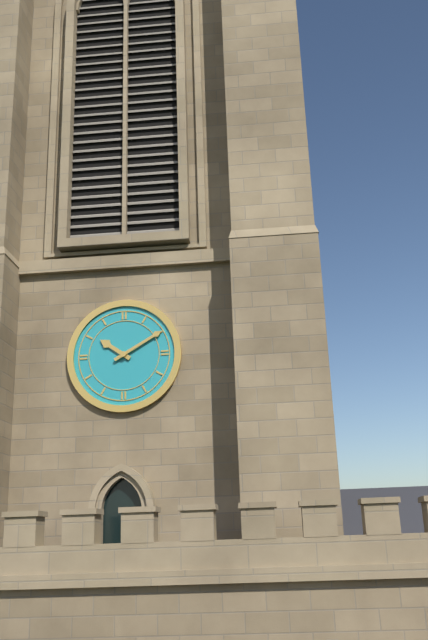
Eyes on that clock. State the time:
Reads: 10:10
